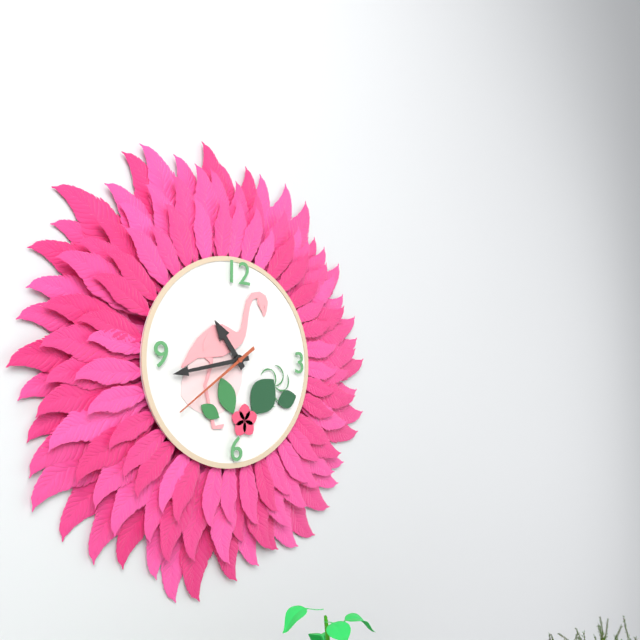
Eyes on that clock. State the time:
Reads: 10:43:39
